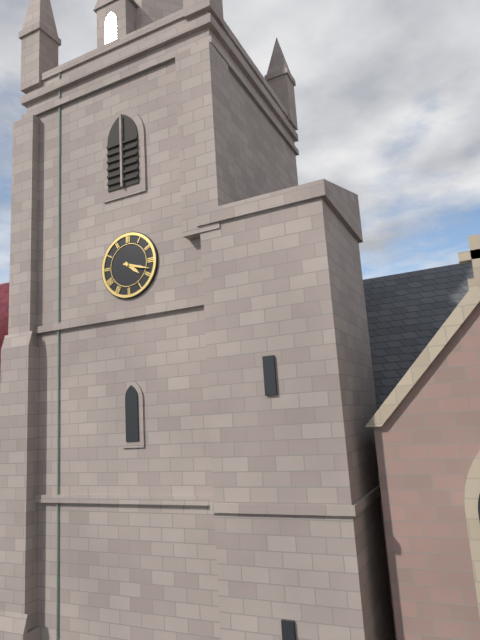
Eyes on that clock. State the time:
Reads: 4:18
